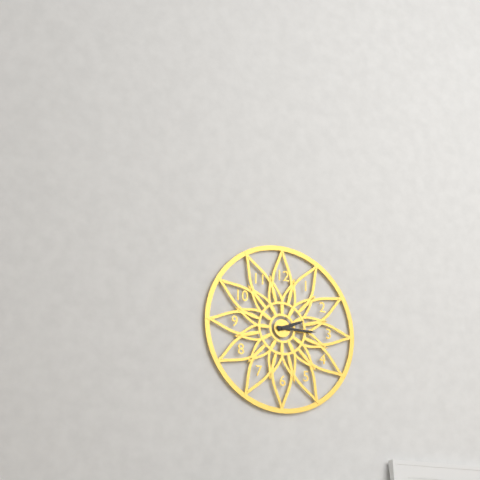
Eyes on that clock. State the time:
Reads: 2:15
